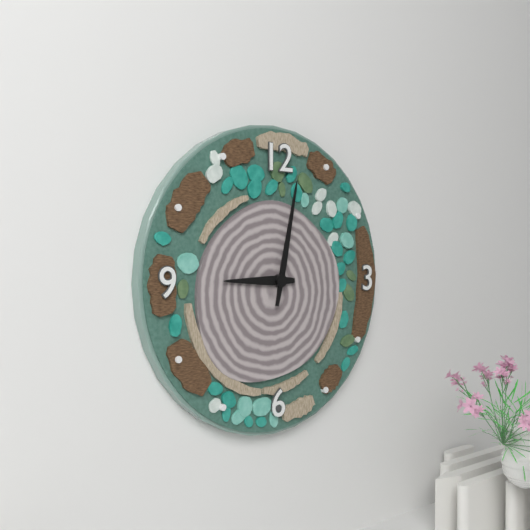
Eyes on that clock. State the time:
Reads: 9:02
